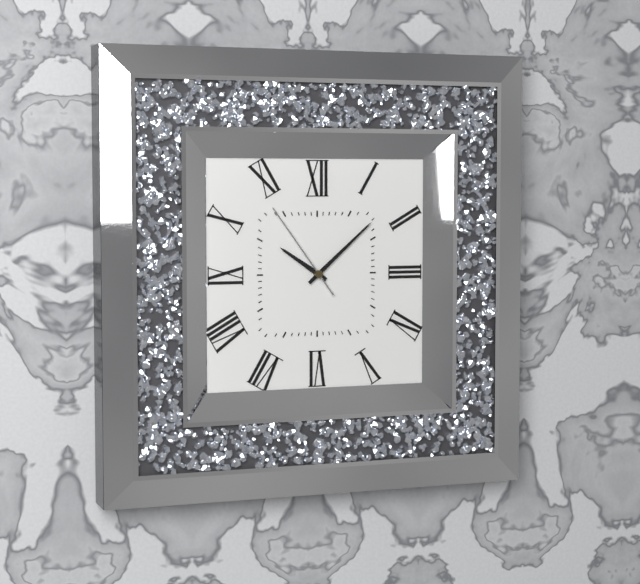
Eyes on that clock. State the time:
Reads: 10:08:54
